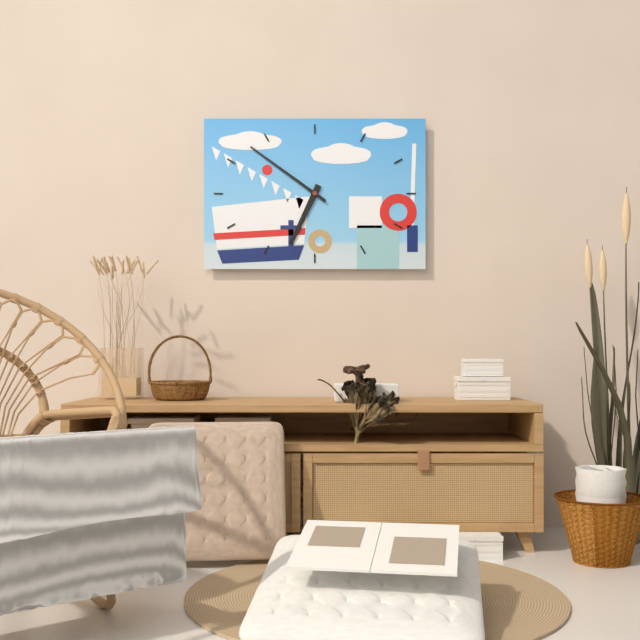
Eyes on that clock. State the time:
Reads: 6:51
